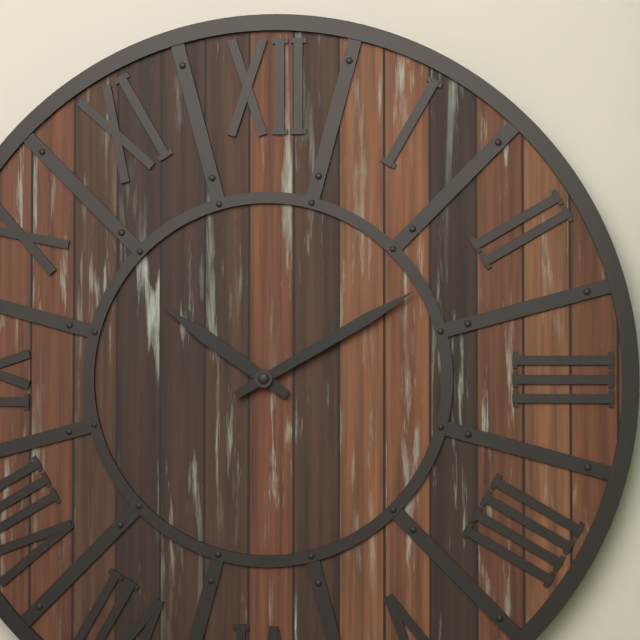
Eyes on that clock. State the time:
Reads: 10:10
